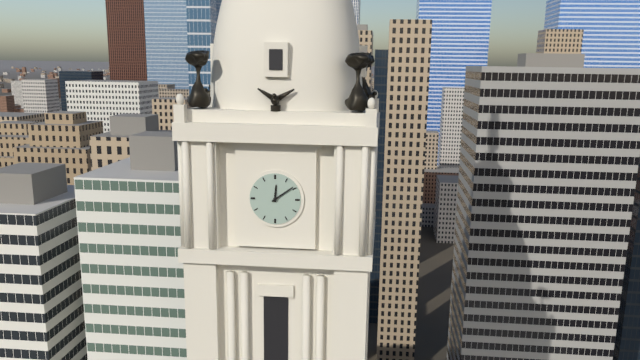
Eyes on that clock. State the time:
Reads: 12:09
